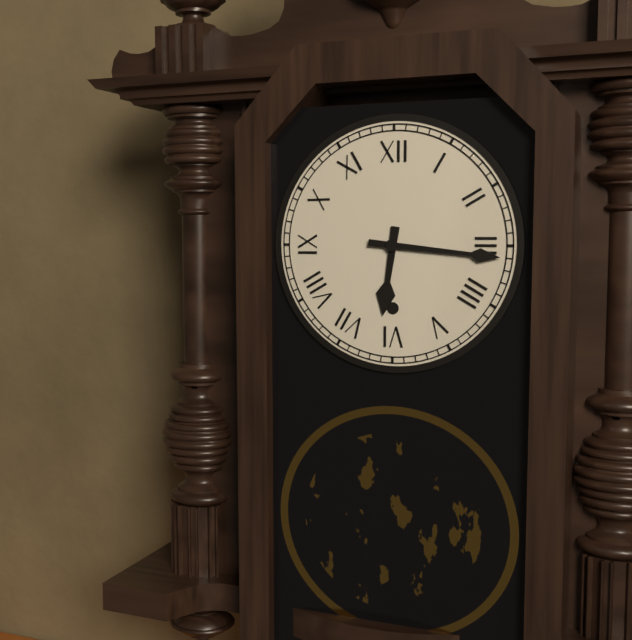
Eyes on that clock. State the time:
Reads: 6:16
